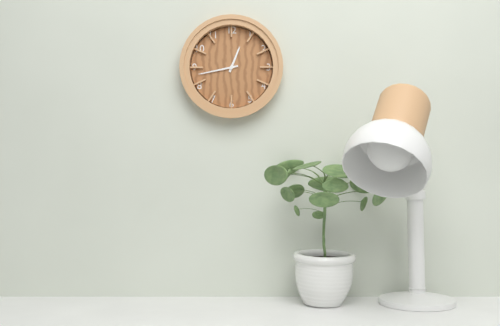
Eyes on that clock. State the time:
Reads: 12:43
